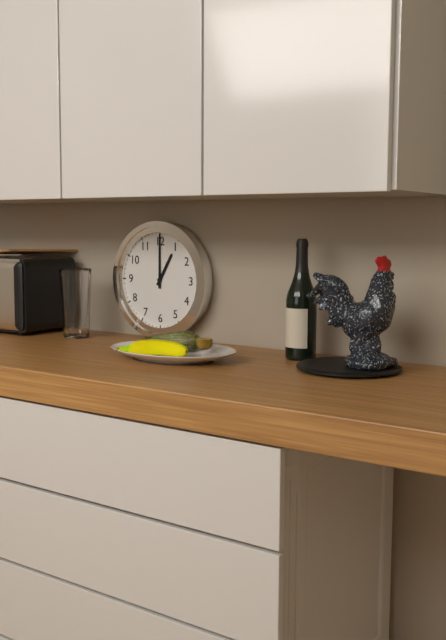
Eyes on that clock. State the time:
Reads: 1:00
